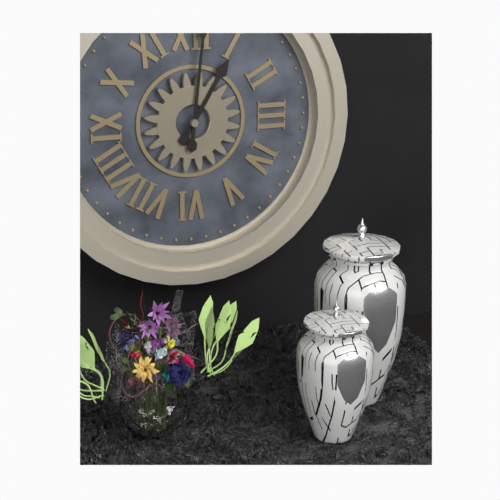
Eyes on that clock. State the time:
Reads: 1:01
